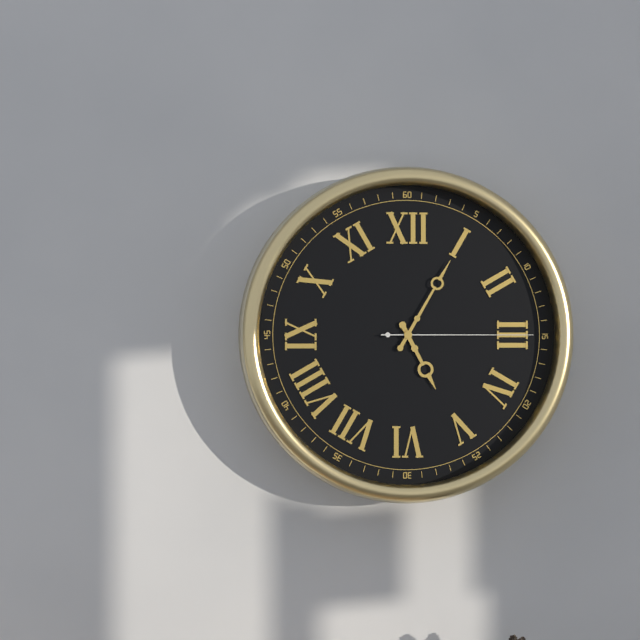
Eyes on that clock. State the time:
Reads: 5:05:15
